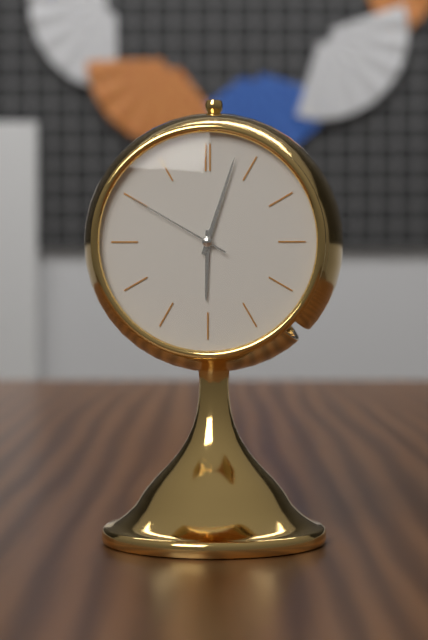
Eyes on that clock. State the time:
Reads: 6:03:50
